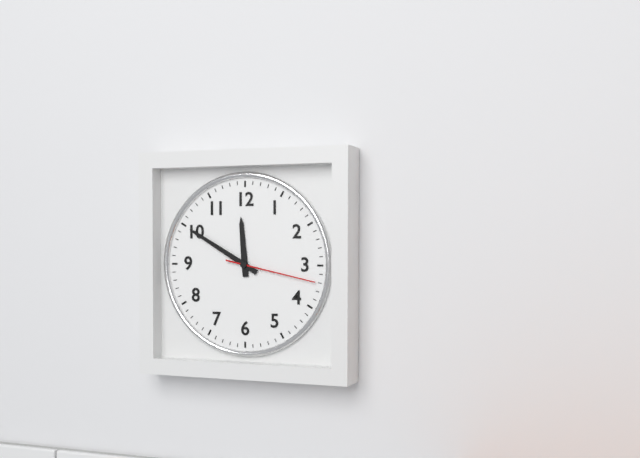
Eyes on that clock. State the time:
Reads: 11:50:17
